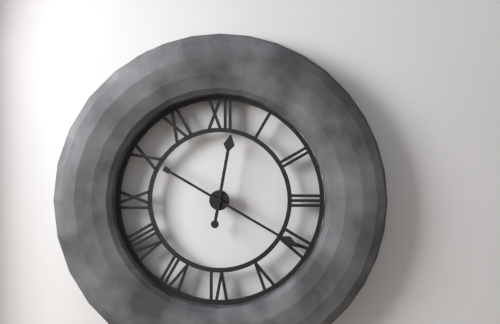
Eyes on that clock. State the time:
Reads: 12:20
